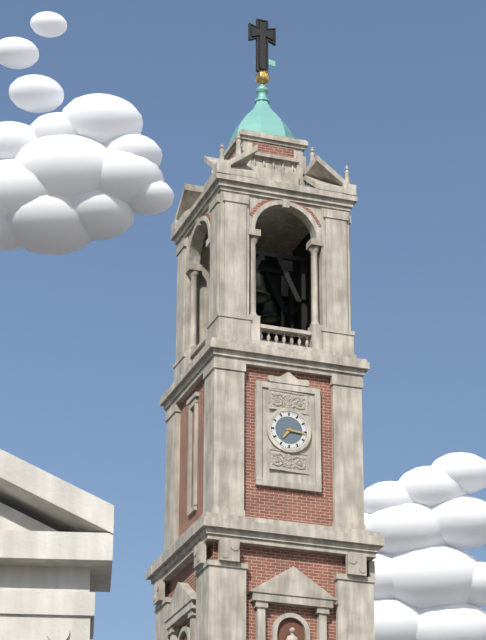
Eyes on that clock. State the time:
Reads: 7:16
